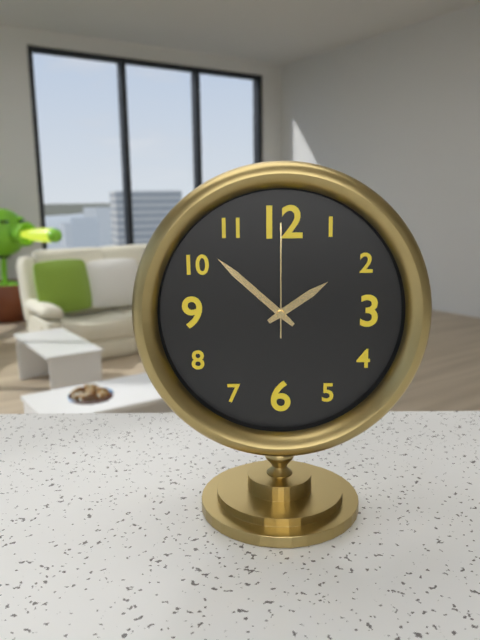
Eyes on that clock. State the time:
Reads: 1:52:00
